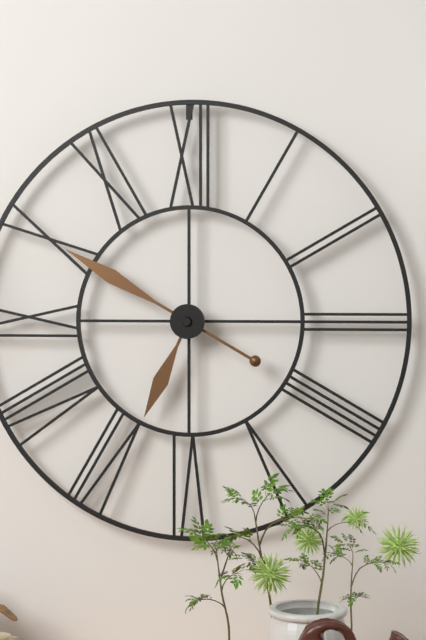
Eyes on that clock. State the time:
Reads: 6:50
